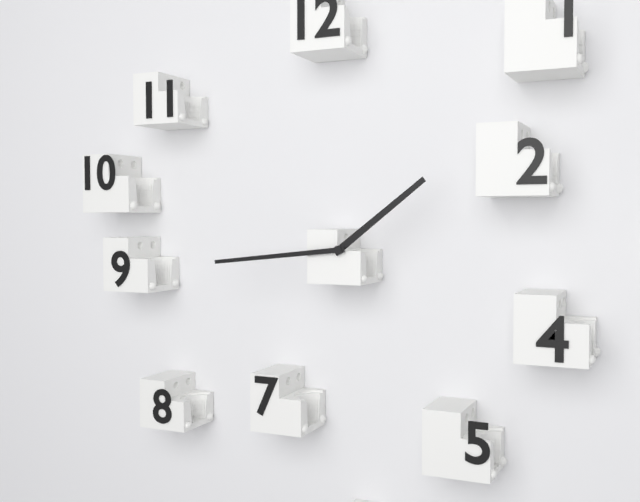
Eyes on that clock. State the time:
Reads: 1:44
